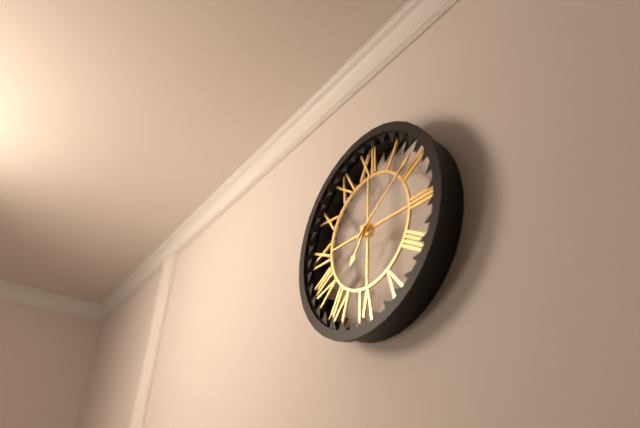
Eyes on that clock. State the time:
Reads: 7:09
